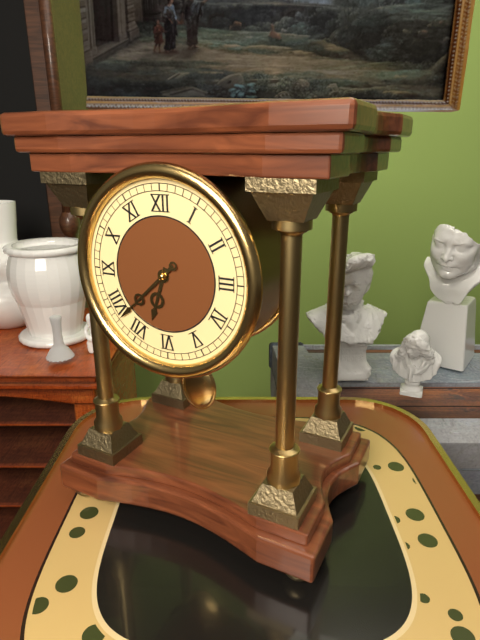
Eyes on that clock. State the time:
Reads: 6:38
